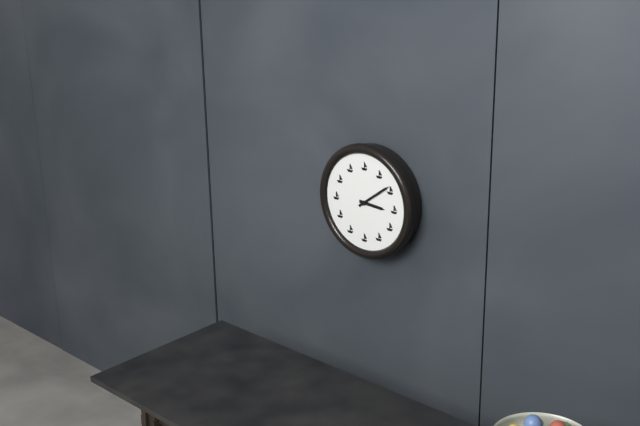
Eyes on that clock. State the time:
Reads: 3:09
